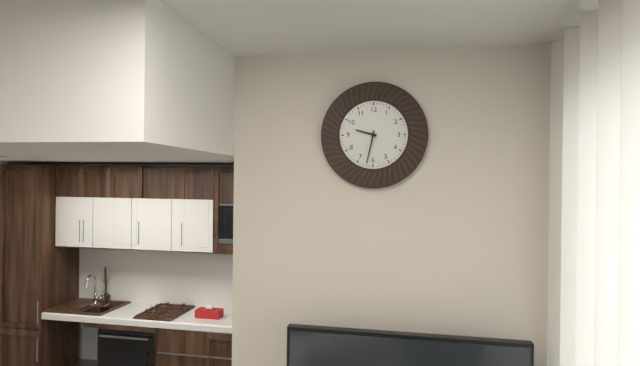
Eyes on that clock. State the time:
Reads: 9:32
